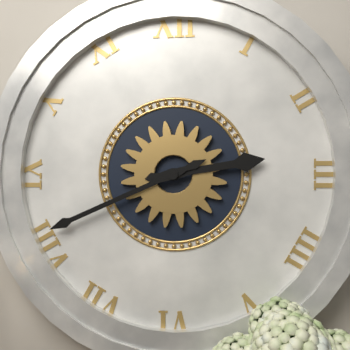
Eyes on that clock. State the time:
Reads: 2:41
